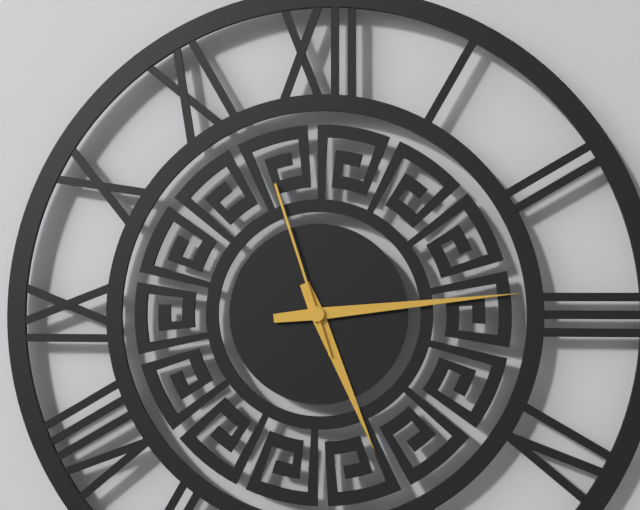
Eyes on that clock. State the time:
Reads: 5:14:57
